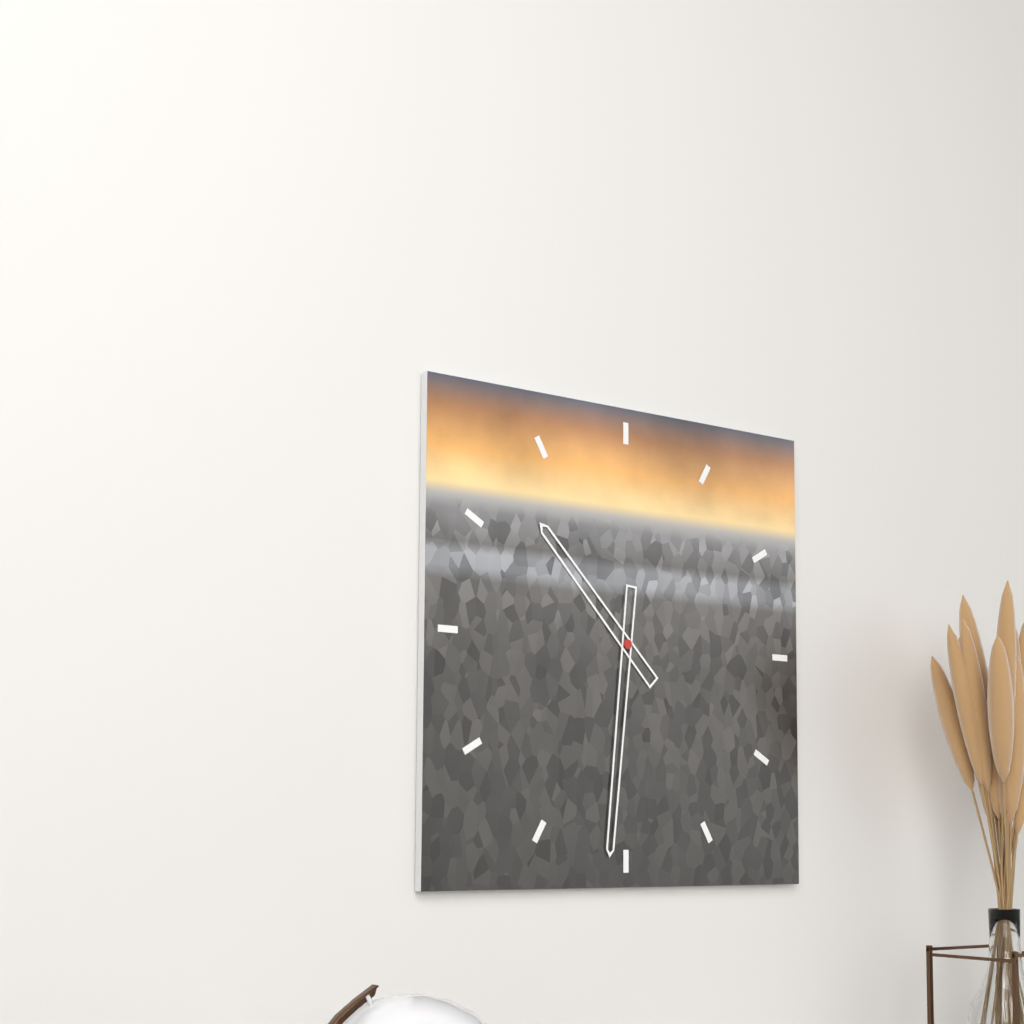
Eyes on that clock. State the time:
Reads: 10:31
